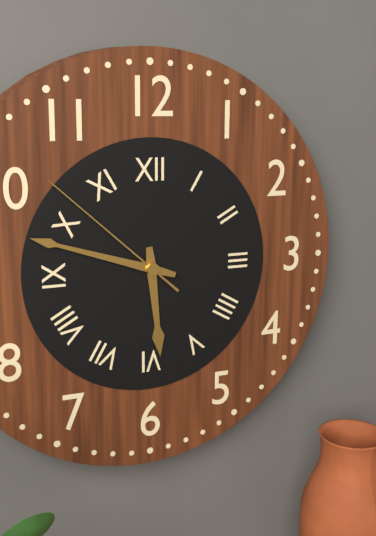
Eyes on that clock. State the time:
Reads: 5:48:52
